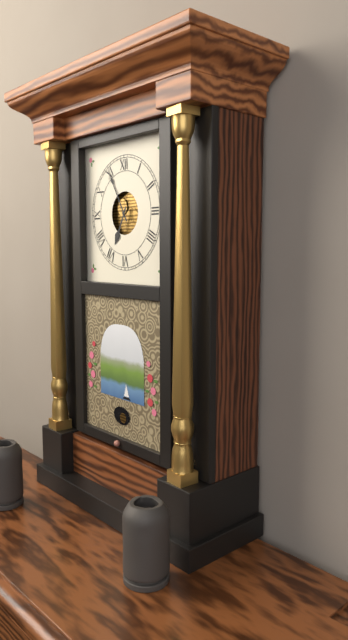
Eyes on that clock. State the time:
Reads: 6:55
